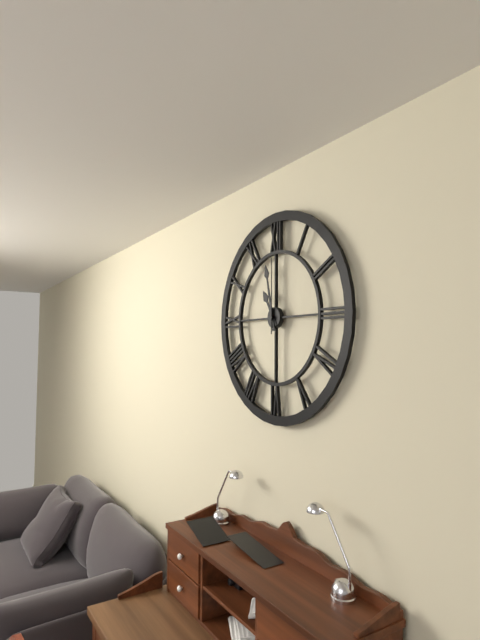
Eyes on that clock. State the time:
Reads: 10:58:00
